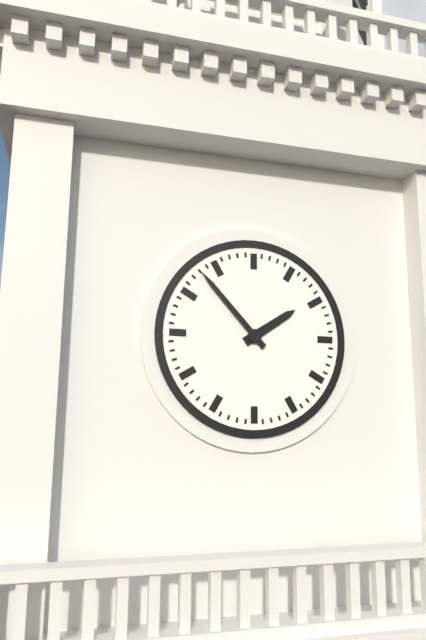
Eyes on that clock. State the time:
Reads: 1:53
